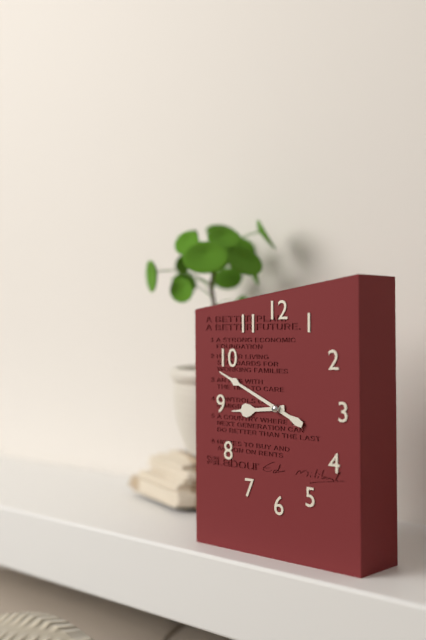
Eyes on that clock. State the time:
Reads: 8:49
